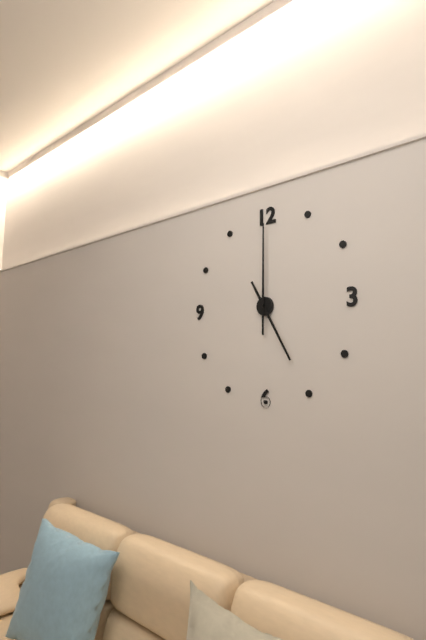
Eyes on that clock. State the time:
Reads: 5:00
